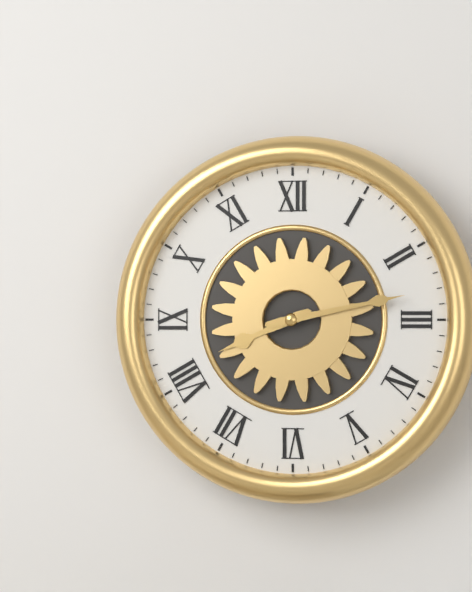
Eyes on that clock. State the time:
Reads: 8:13
